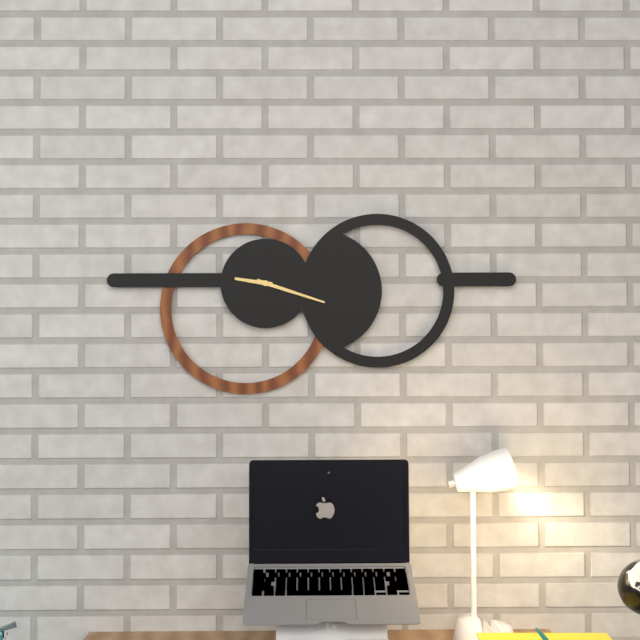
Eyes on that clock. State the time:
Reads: 9:18
